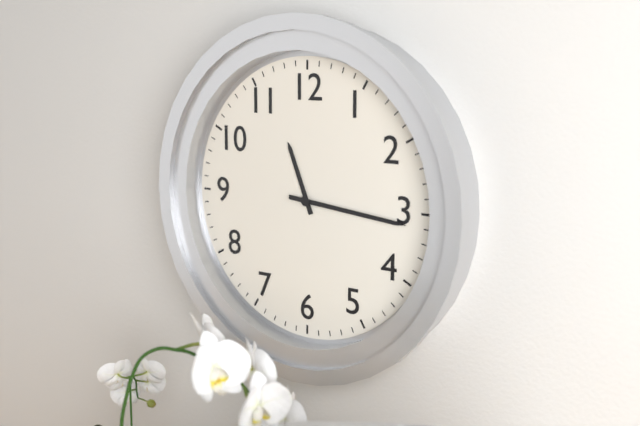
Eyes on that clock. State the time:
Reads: 11:16
